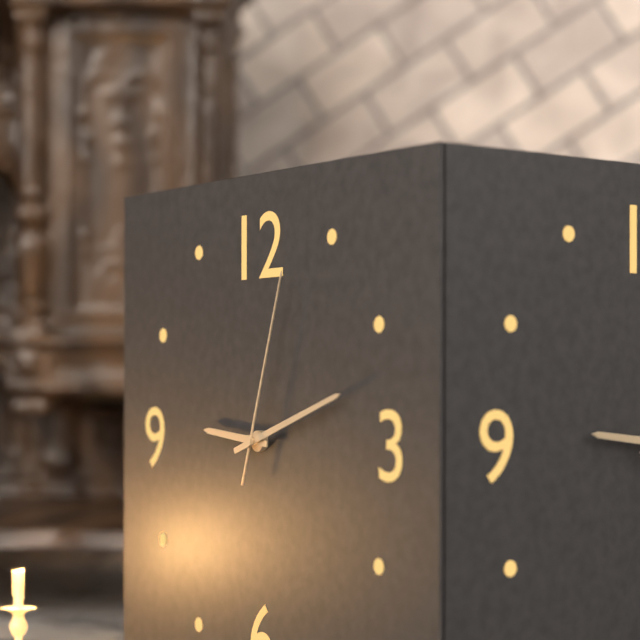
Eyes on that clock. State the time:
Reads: 9:12:03
